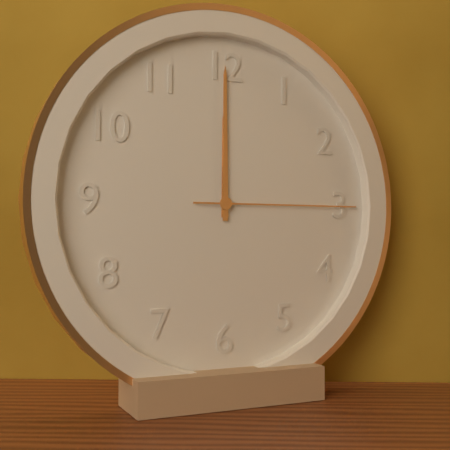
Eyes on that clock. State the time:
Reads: 12:00:15
